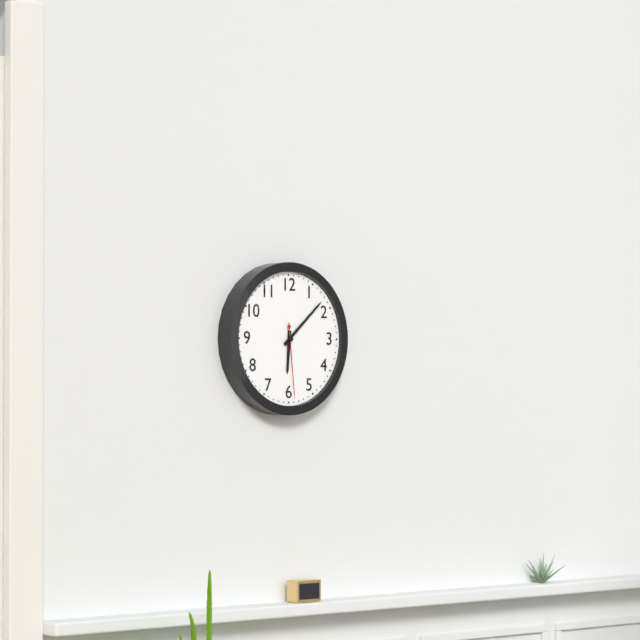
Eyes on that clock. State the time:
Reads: 6:08:29
